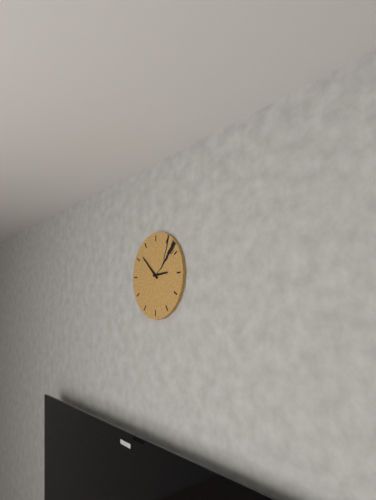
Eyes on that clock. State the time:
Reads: 2:52
